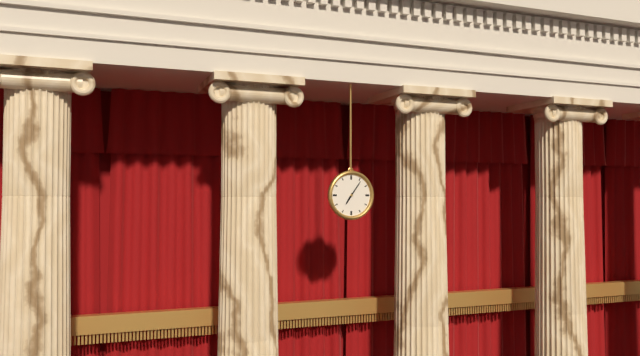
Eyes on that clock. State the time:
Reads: 7:06
